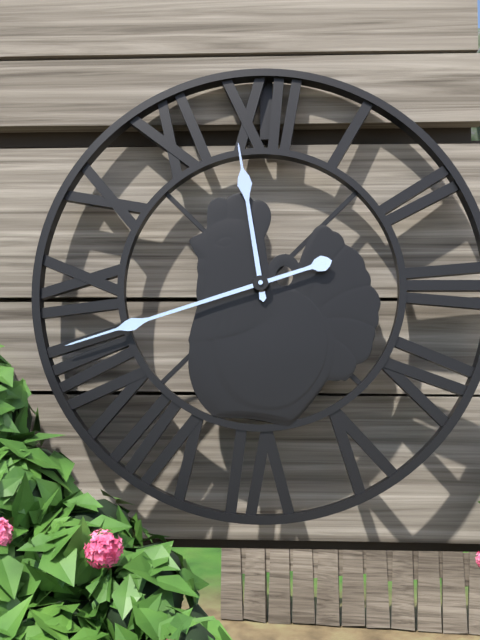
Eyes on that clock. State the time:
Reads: 11:42
